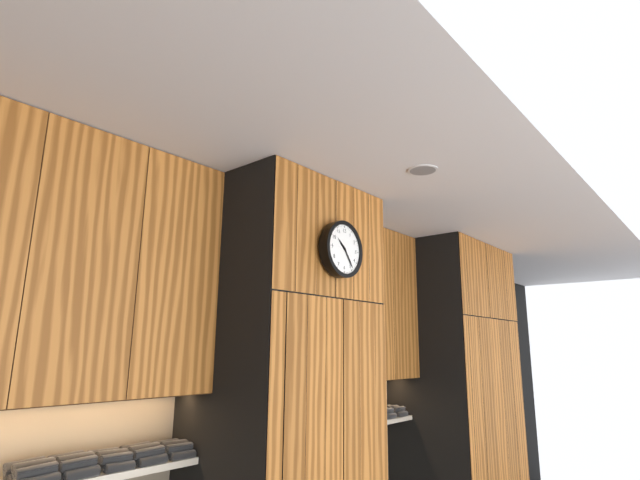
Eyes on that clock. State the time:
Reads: 10:24
